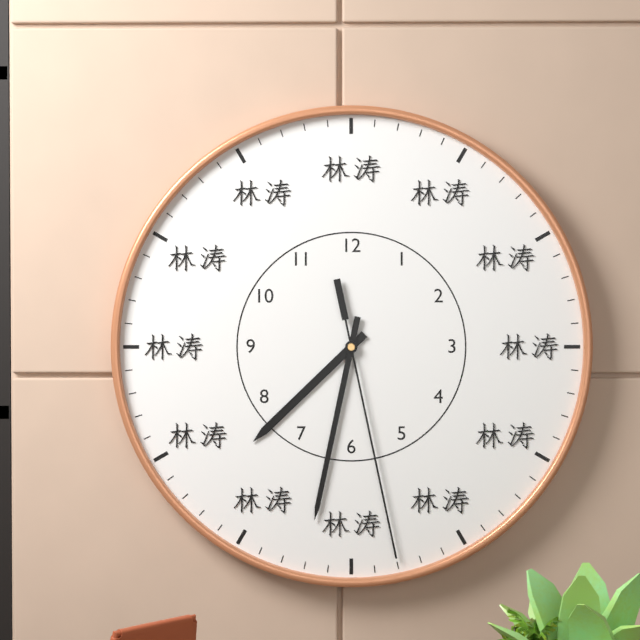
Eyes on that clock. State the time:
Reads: 7:32:28
